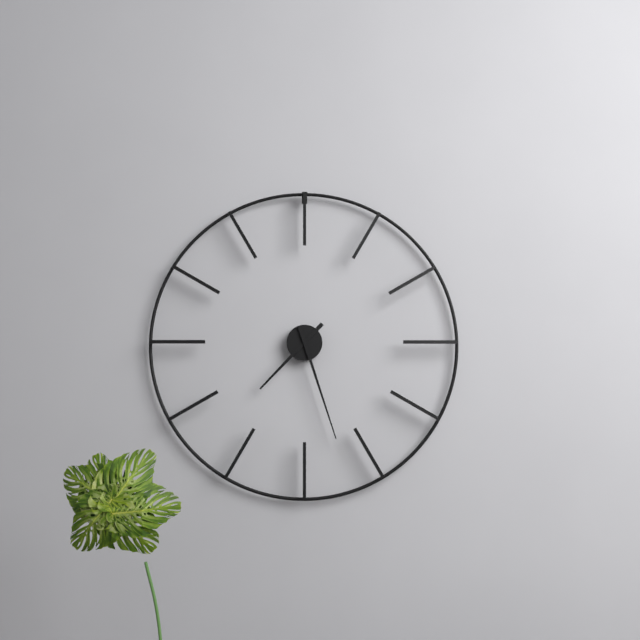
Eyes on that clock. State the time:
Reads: 7:27
